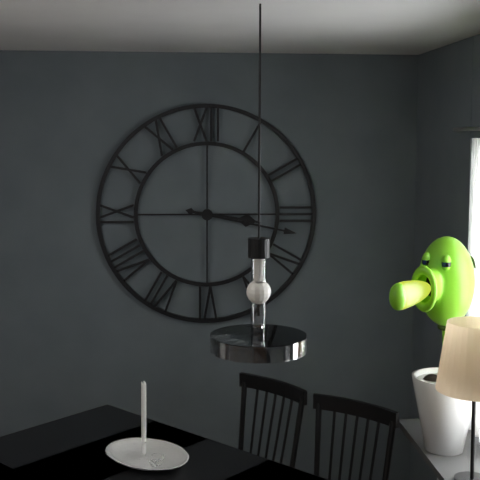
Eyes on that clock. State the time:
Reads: 3:17
